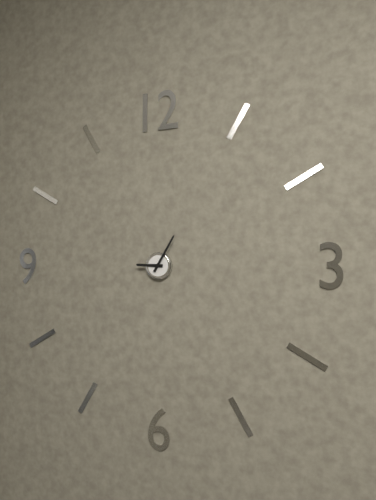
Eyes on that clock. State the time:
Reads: 9:05
